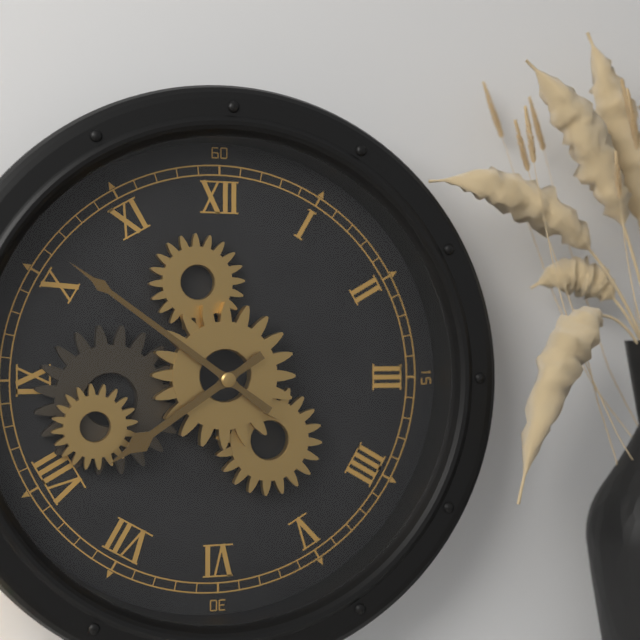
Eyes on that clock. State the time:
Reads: 7:51
